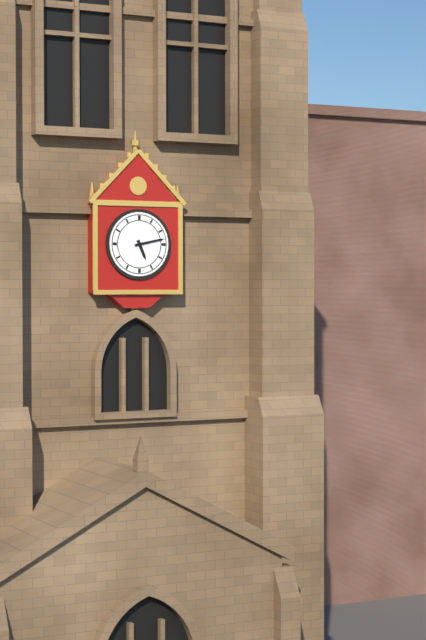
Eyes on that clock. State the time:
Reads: 5:13
